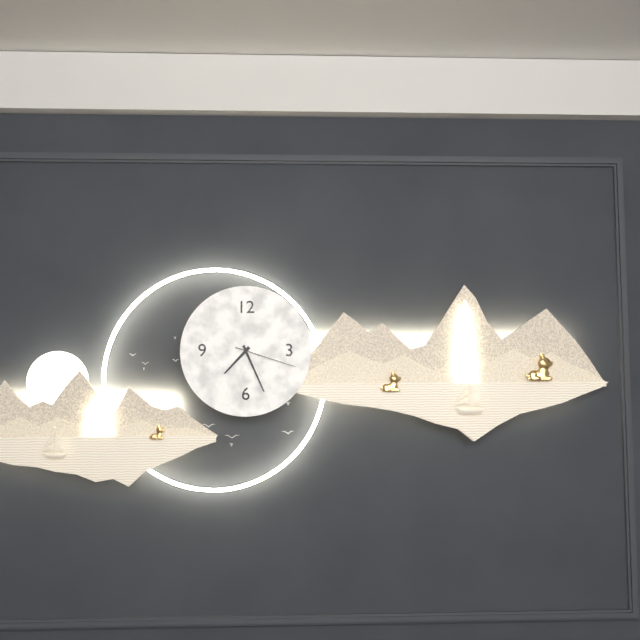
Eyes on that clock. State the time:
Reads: 7:26:18
